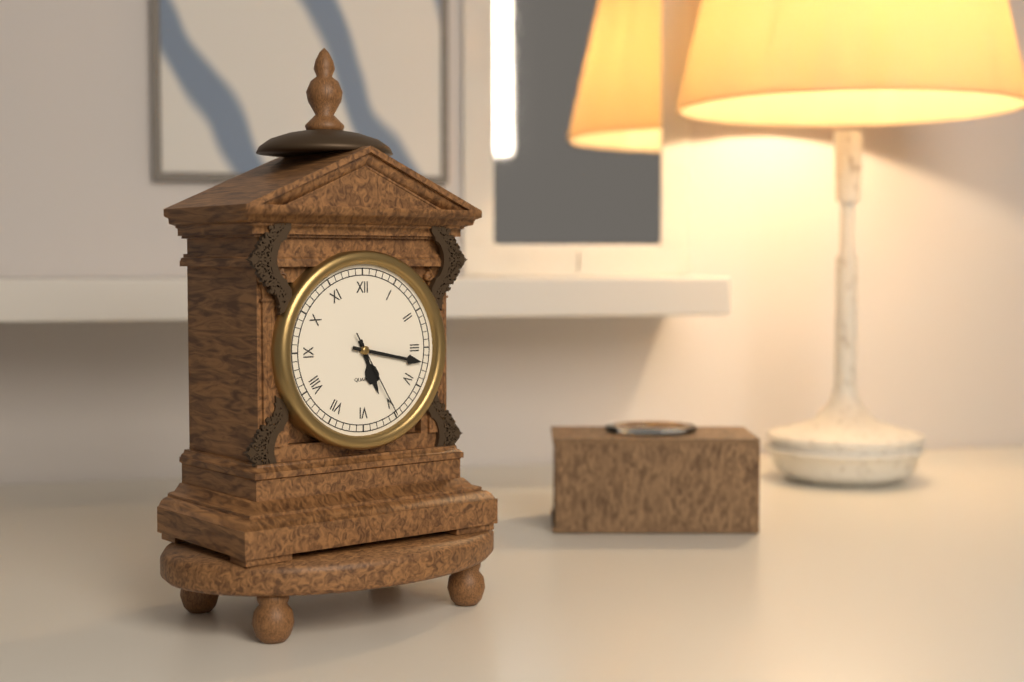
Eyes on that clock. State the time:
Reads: 5:17:25
